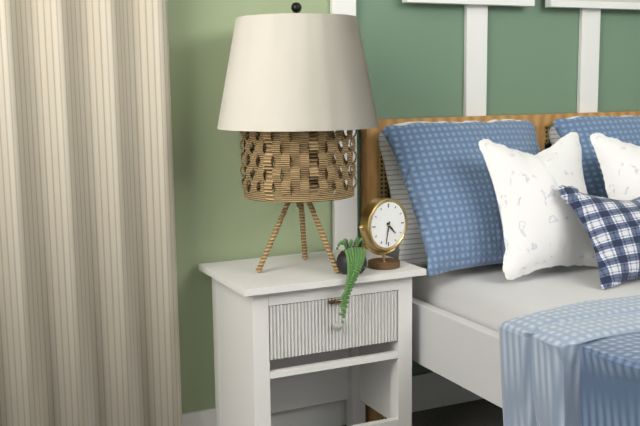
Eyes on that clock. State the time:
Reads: 4:32
